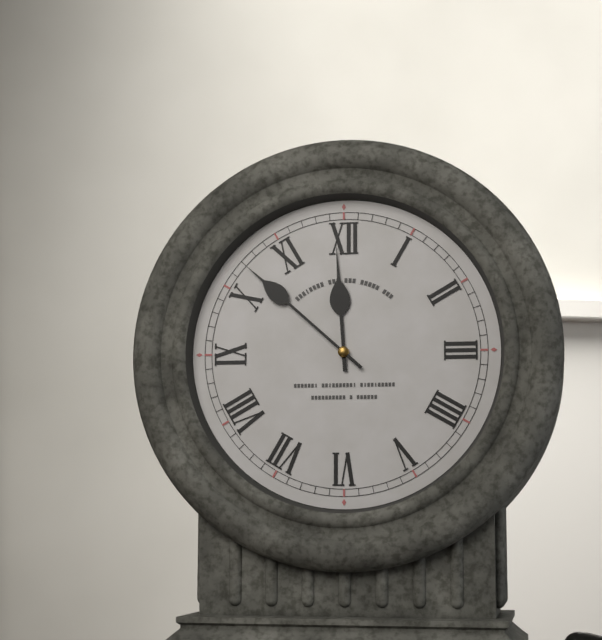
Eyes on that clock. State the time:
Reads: 11:52
